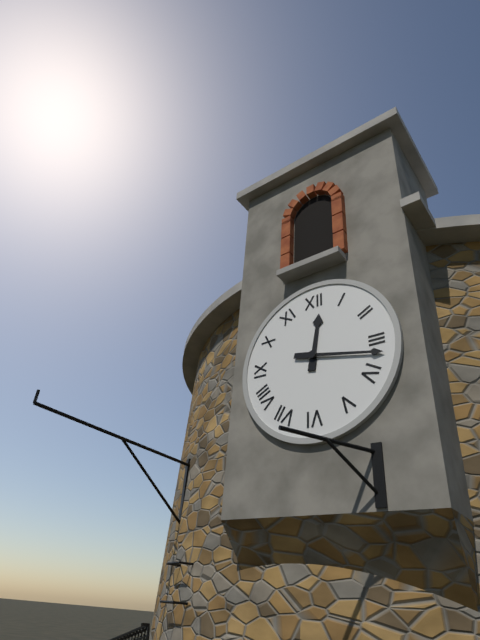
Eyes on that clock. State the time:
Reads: 12:17
